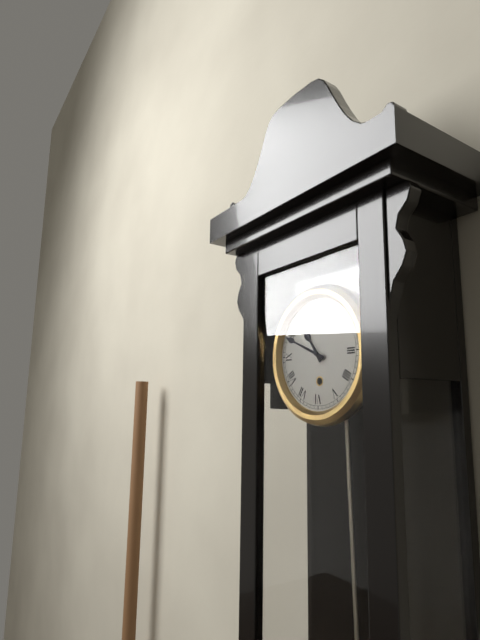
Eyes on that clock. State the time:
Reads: 10:49
